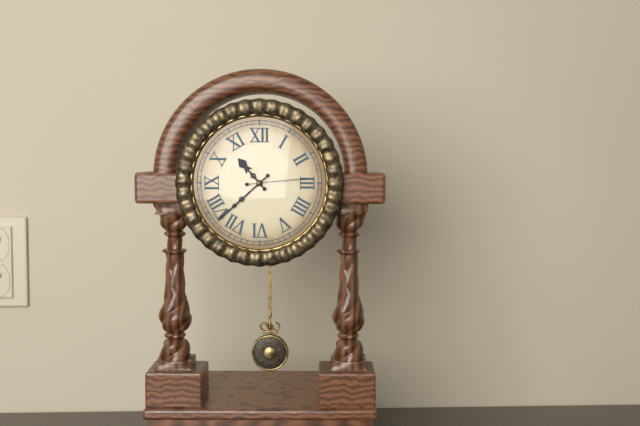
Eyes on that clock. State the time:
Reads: 10:38:14
